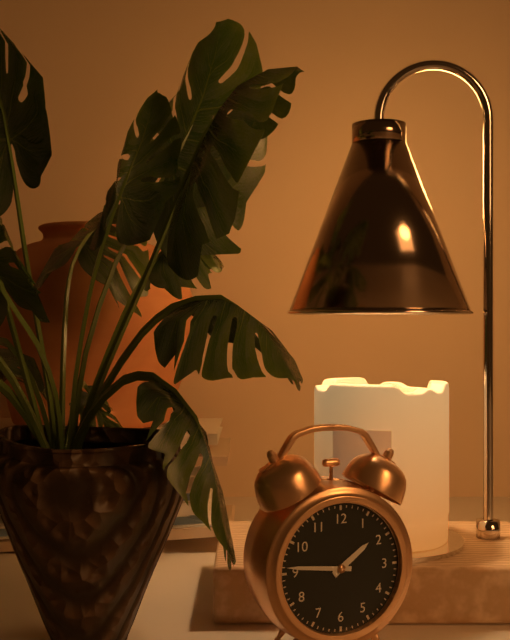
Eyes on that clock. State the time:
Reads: 1:46
